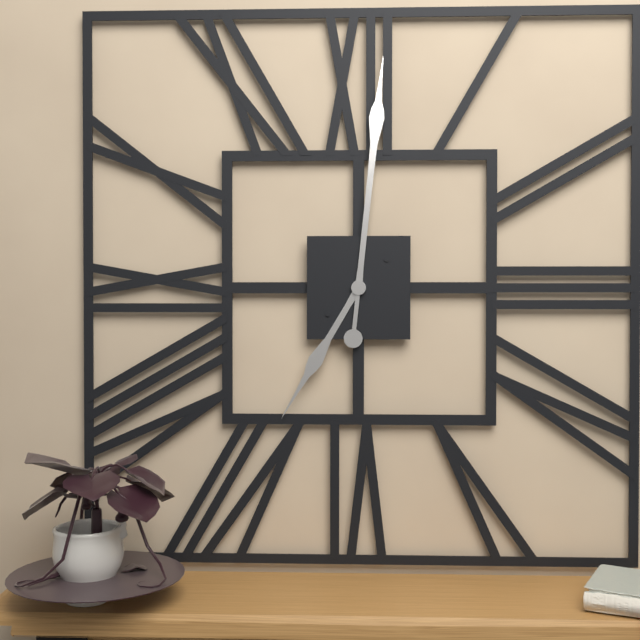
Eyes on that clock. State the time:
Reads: 7:01
